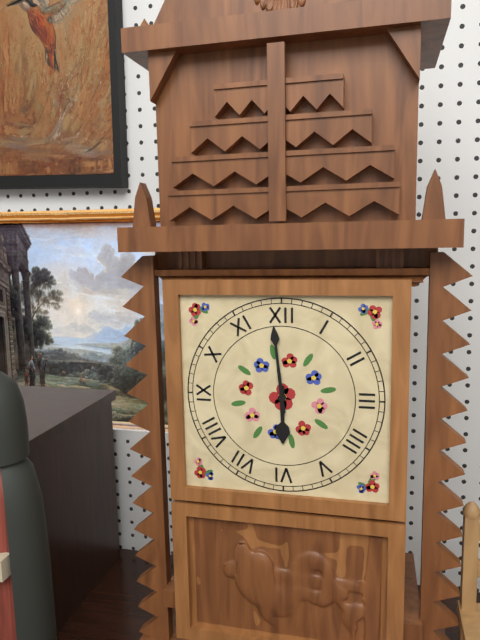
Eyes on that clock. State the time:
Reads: 5:59
